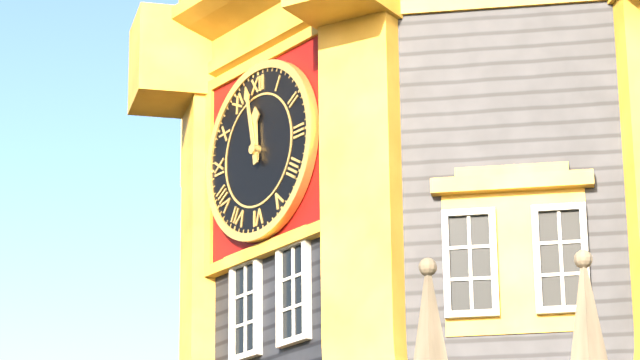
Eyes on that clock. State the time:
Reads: 11:58
